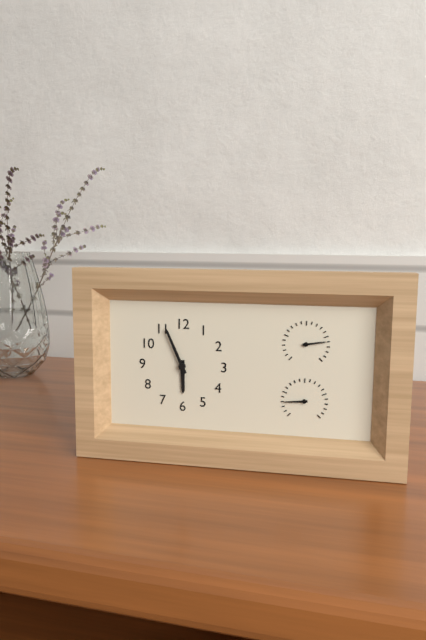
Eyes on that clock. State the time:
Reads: 5:56
